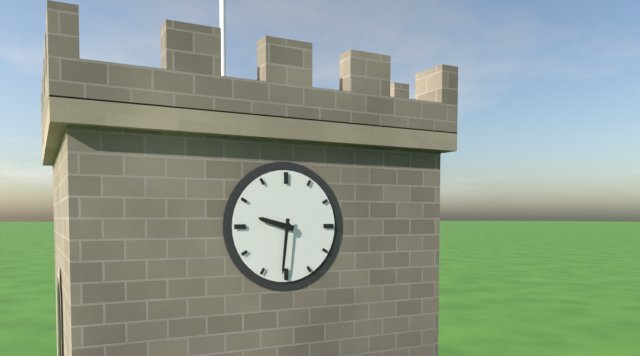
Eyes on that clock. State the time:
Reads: 9:31
